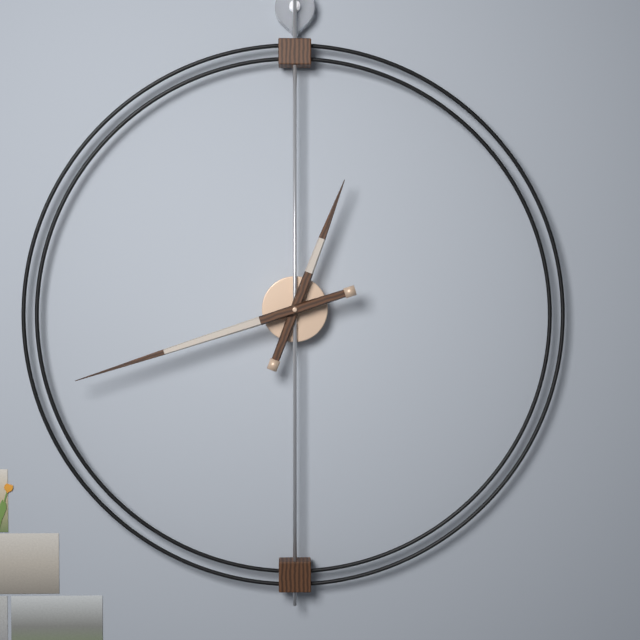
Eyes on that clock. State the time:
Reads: 12:42
